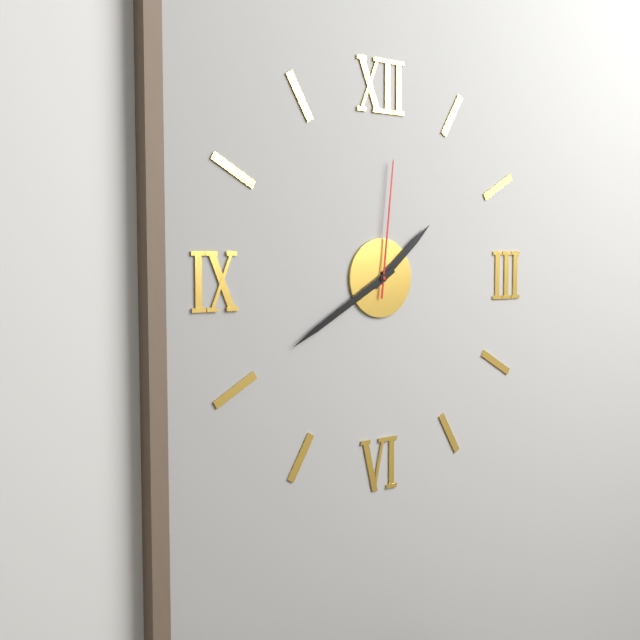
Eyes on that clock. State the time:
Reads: 1:40:01
